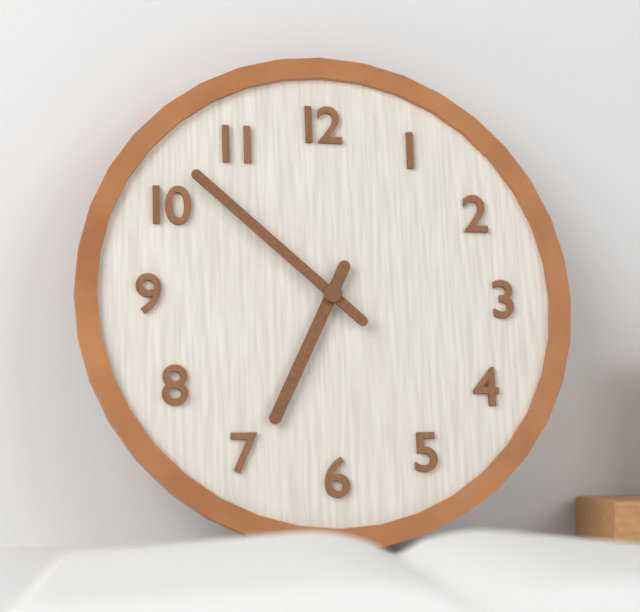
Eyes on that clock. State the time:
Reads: 6:52
